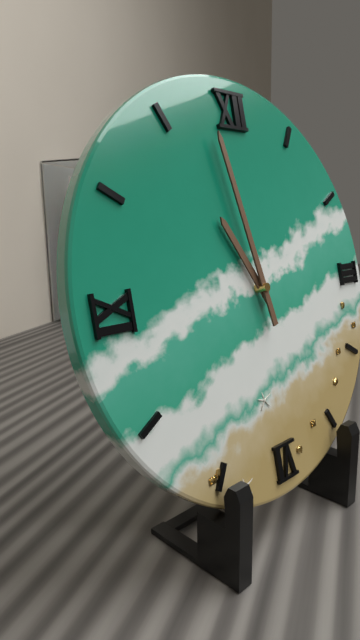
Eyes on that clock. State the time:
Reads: 10:58
